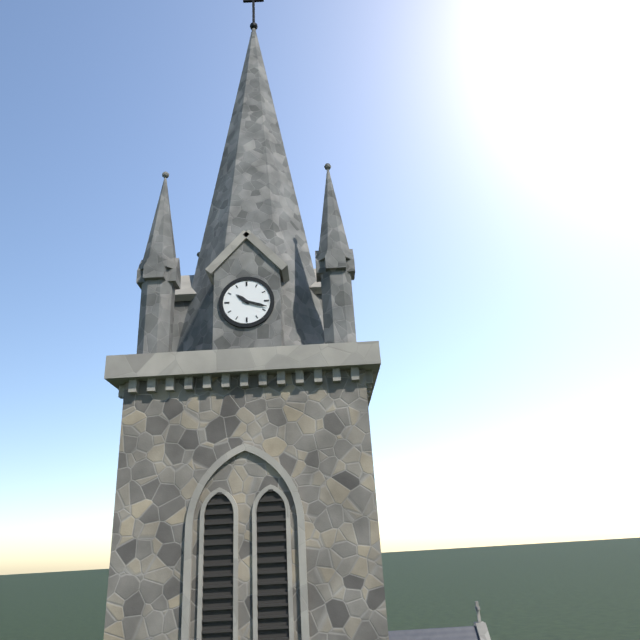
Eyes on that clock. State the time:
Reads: 10:18
